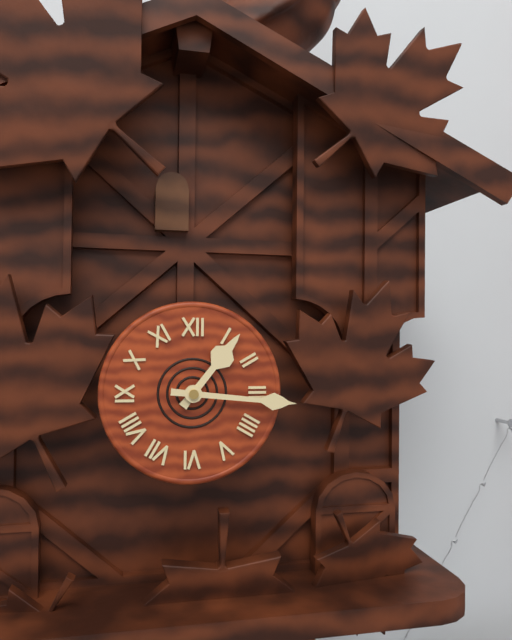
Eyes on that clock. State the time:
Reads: 1:16
